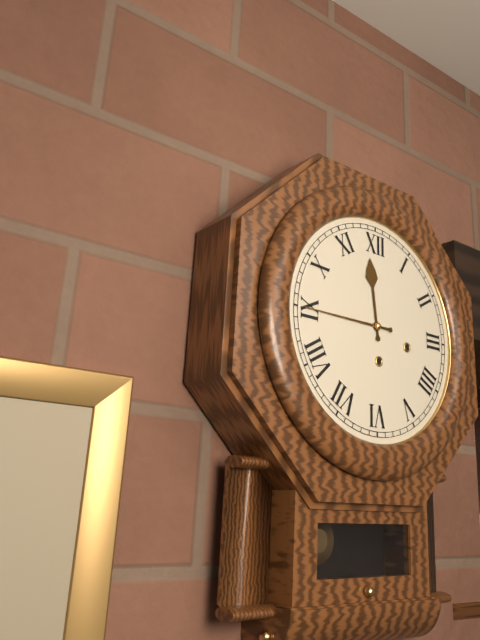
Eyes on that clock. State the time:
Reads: 11:45
